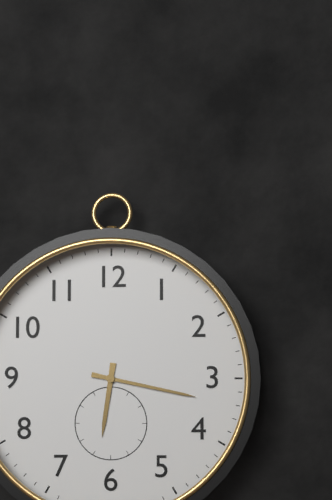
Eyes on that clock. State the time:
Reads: 6:17
